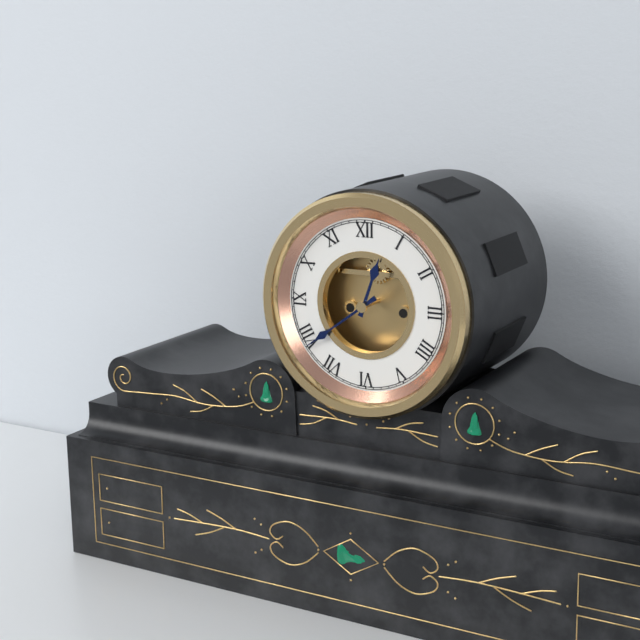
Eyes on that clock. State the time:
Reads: 12:39
